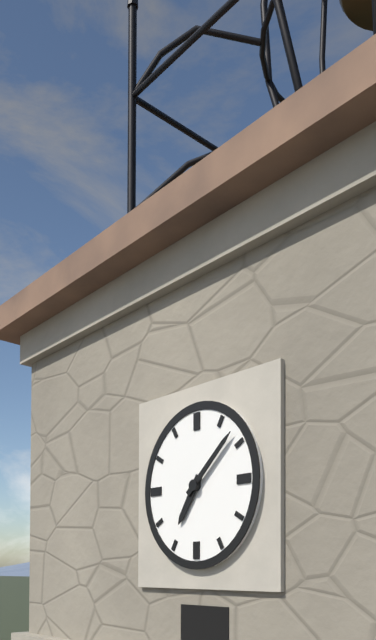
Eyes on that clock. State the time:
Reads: 7:08
